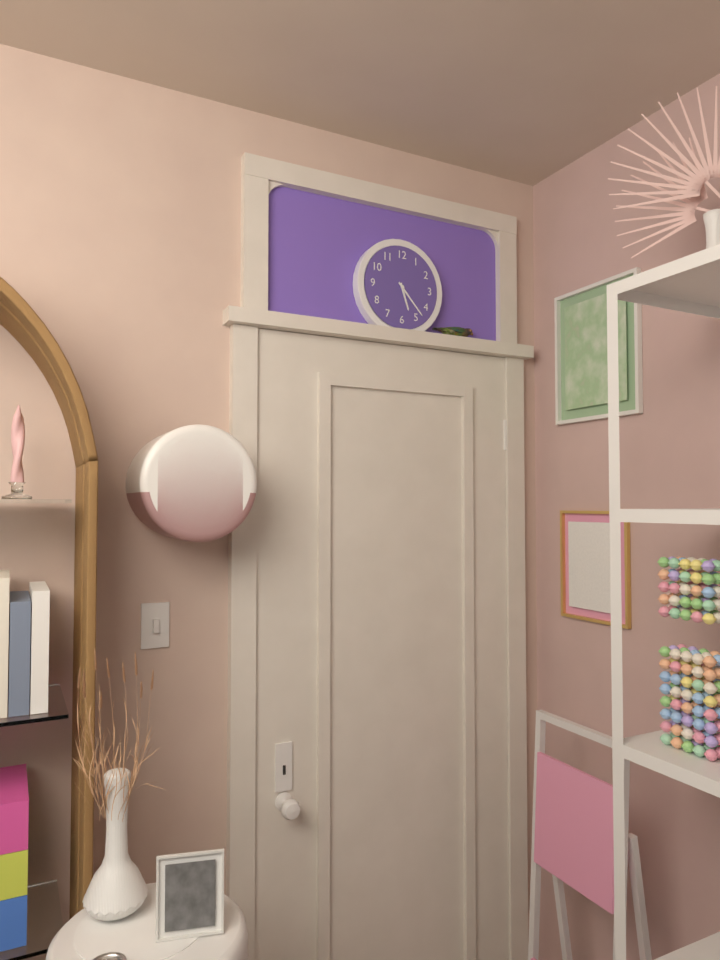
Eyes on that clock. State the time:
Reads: 5:23
